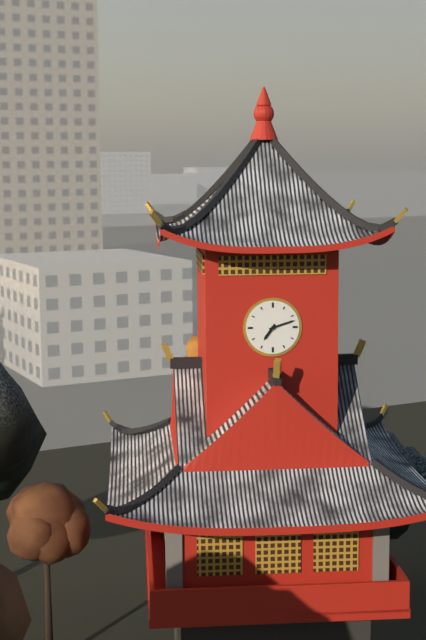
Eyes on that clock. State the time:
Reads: 7:12
